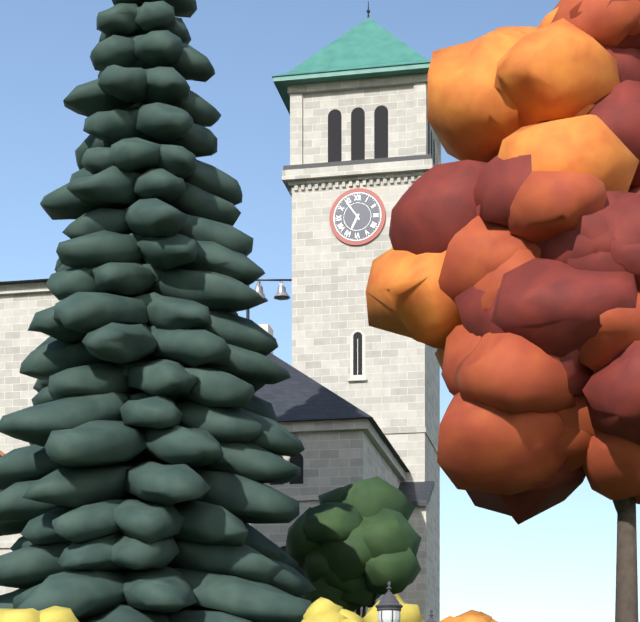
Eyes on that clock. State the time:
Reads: 6:54
